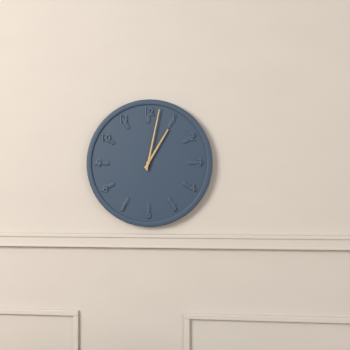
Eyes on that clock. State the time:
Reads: 1:02
